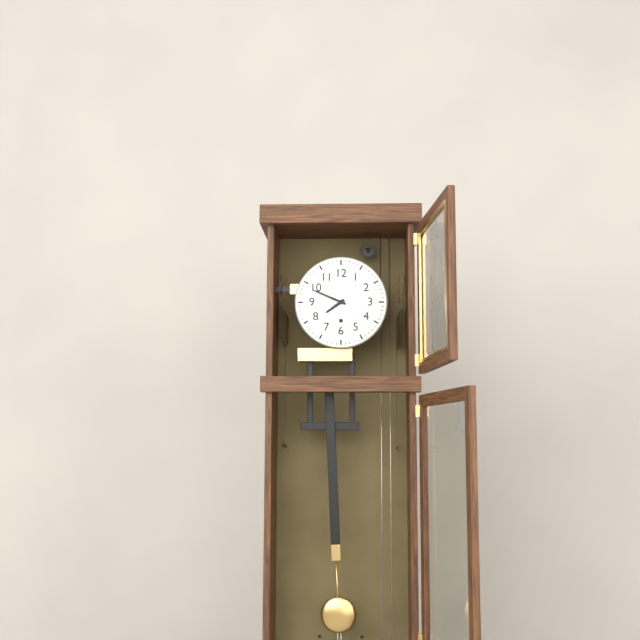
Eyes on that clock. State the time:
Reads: 7:49
